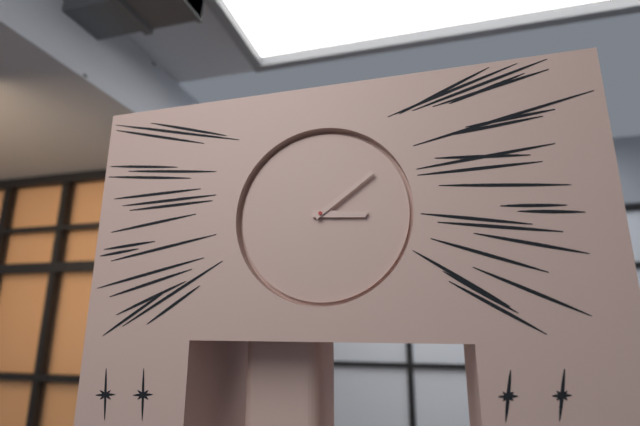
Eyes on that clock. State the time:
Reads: 3:09
